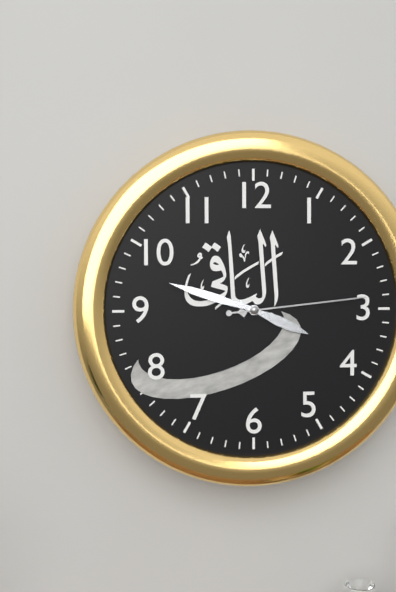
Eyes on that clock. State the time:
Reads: 3:48:14
